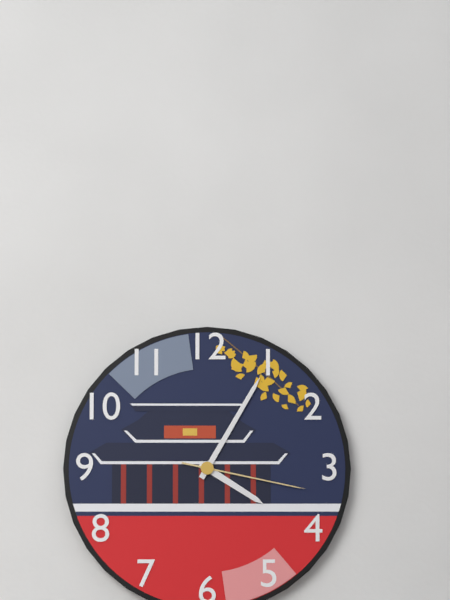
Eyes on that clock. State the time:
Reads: 4:05:17
